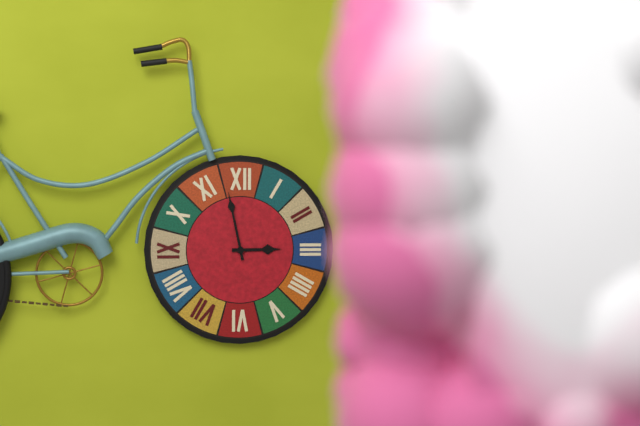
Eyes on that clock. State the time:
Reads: 2:58
